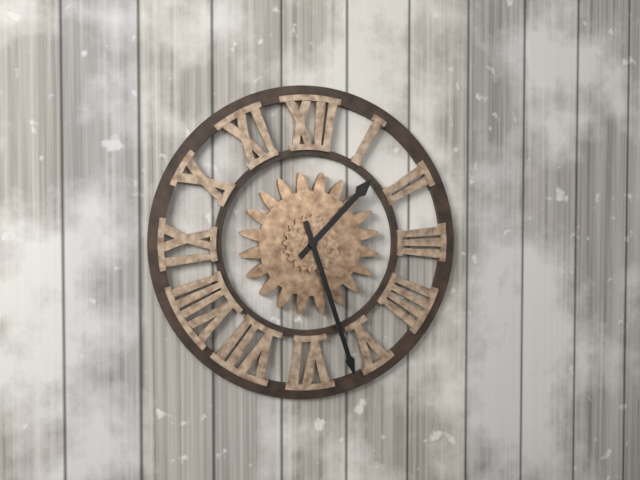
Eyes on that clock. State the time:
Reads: 1:27
